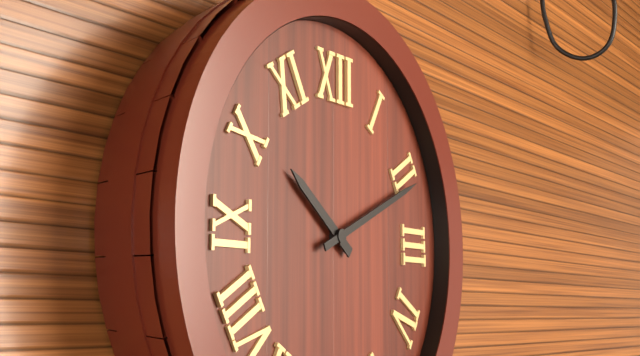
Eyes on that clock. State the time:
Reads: 10:11
